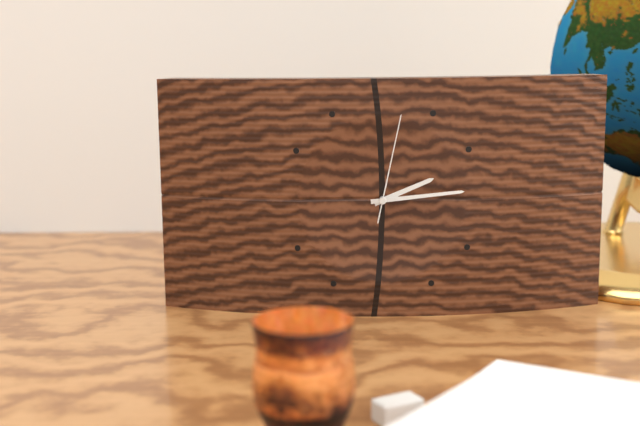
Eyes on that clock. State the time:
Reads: 2:14:02
